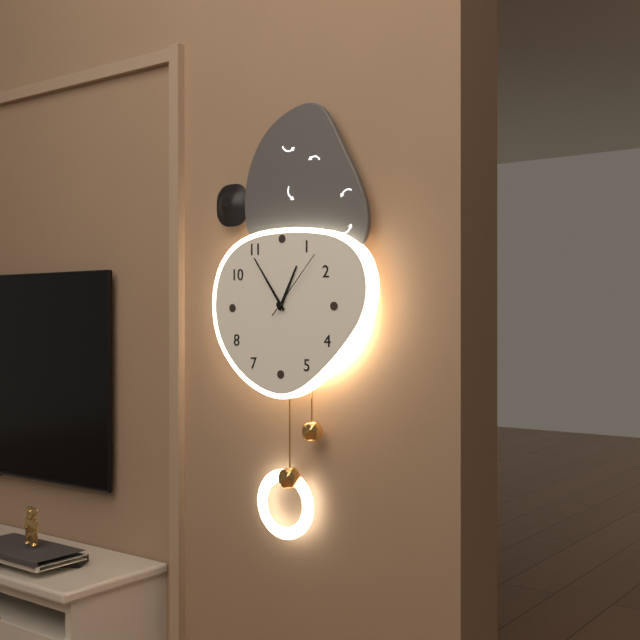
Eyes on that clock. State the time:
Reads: 12:54:07
